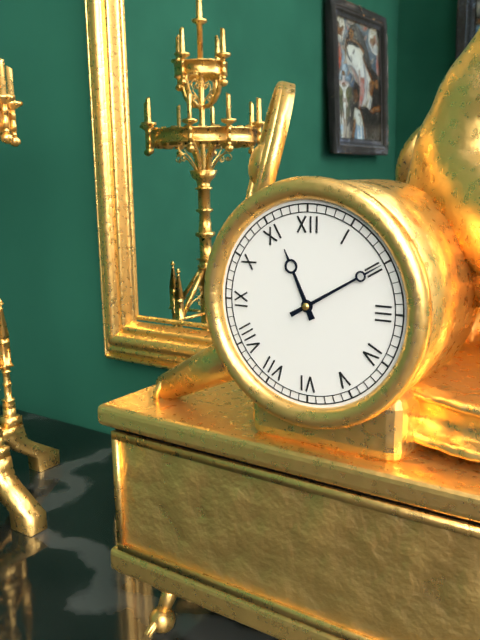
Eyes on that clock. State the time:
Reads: 11:10
